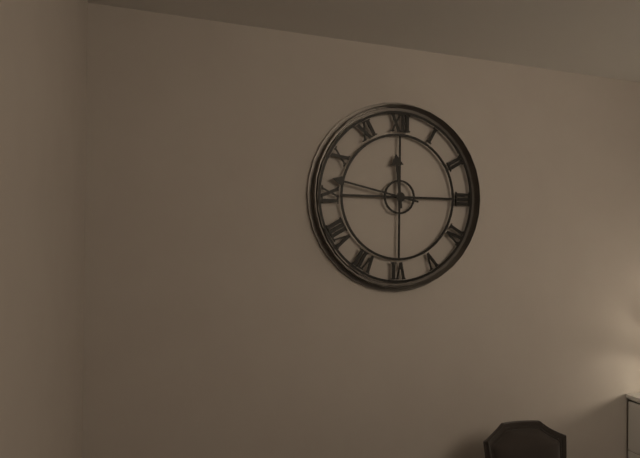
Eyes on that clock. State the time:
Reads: 11:47
